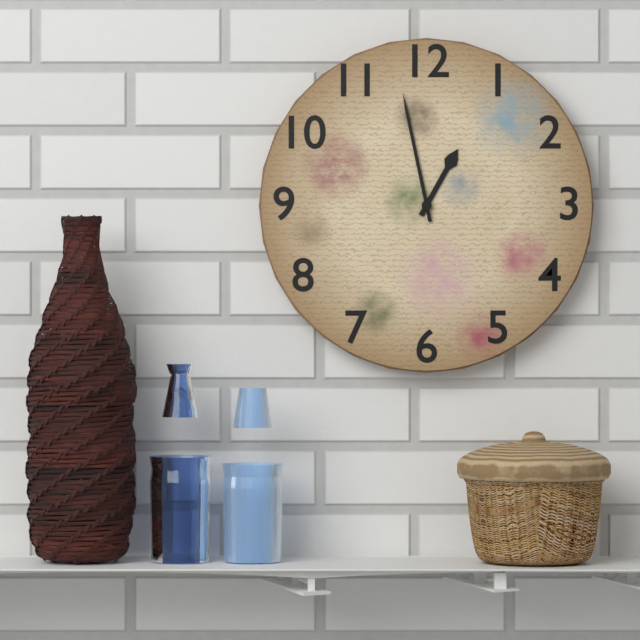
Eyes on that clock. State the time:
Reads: 12:58
